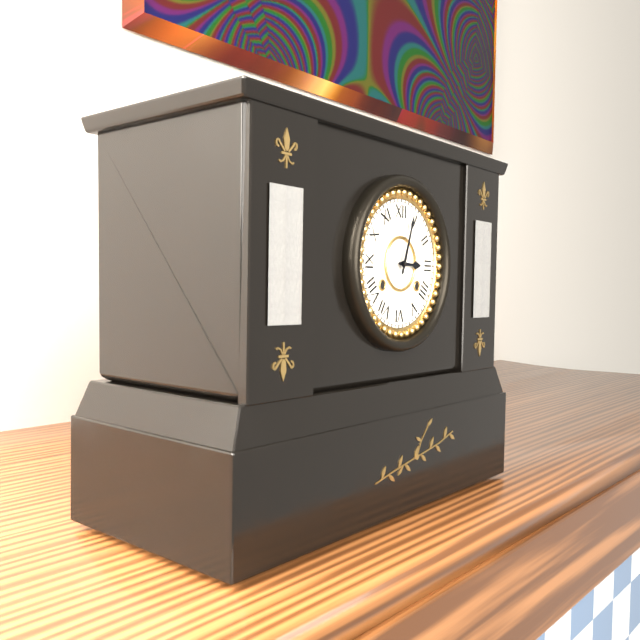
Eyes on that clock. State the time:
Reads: 3:03
